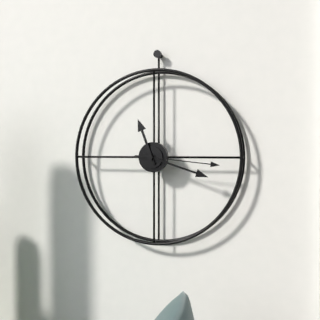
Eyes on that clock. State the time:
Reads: 11:18:16
